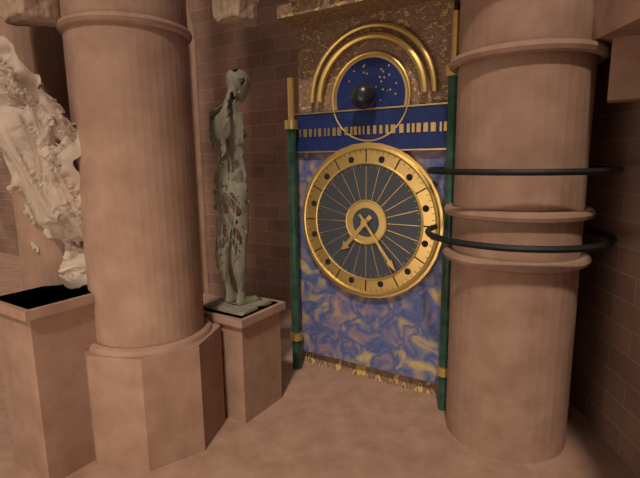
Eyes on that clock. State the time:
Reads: 7:24
